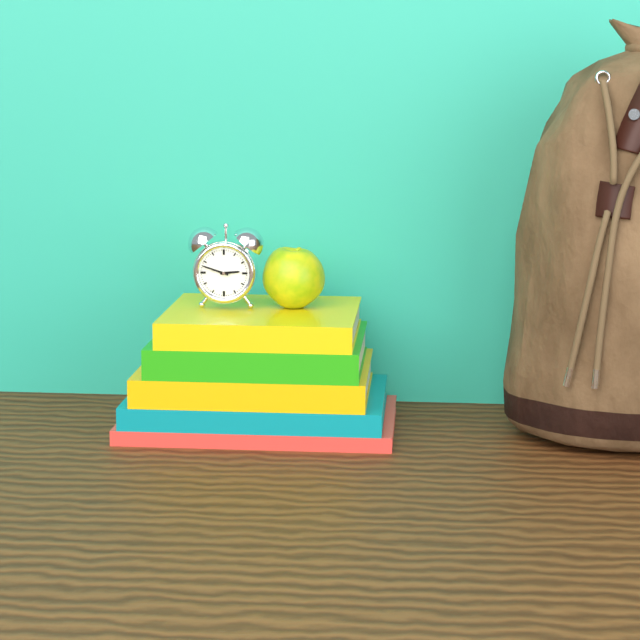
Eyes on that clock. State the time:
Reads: 2:48
